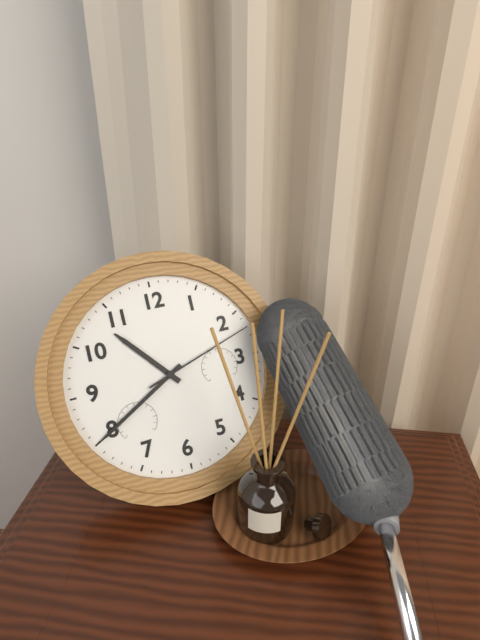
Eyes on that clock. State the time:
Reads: 10:40:12
